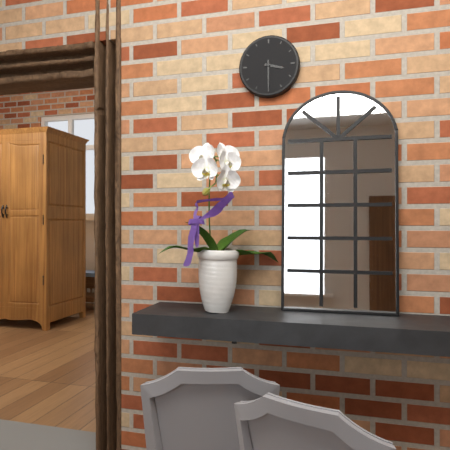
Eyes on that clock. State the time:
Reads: 3:30
